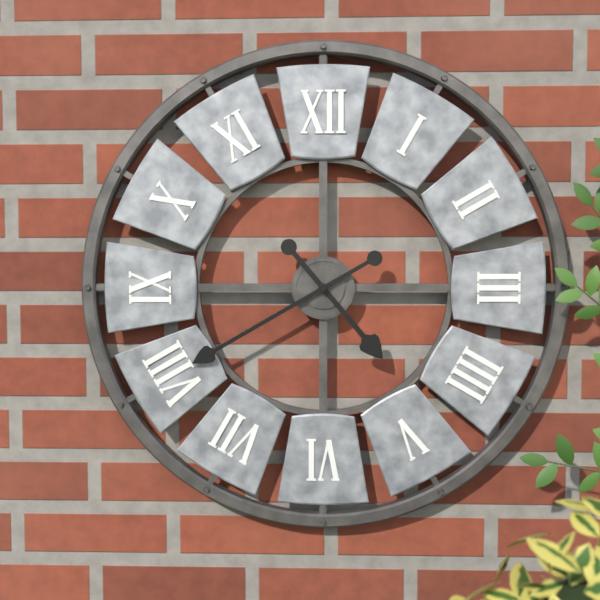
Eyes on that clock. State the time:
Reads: 4:40
